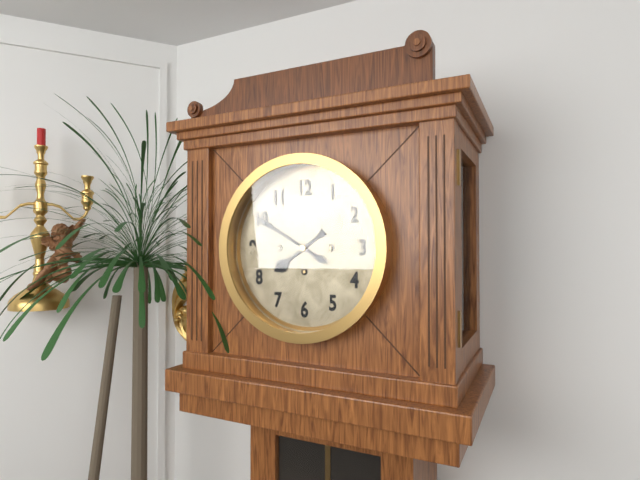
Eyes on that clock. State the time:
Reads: 7:50
